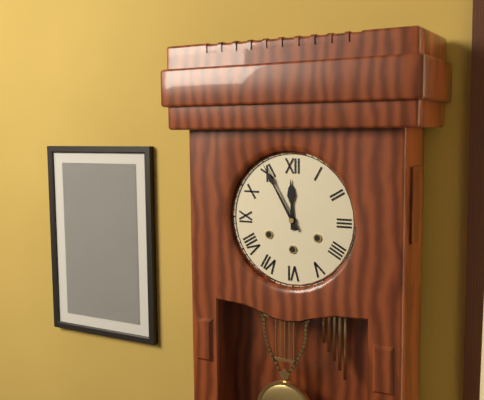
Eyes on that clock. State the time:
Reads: 11:55
